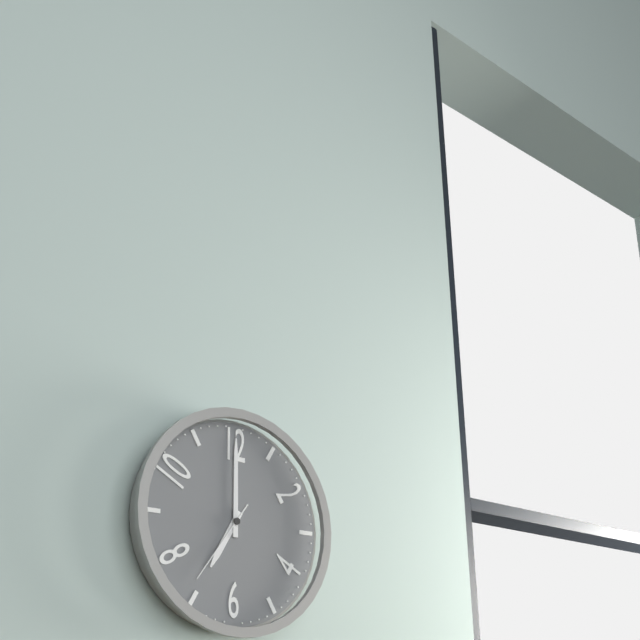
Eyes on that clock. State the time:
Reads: 7:00:36
